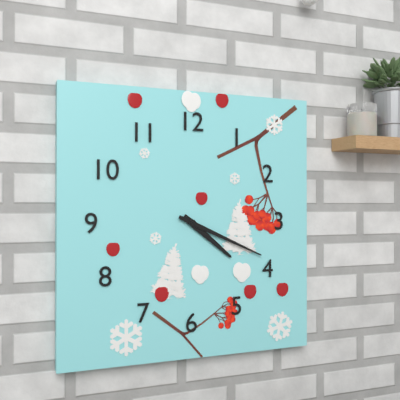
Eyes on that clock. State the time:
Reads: 4:19
